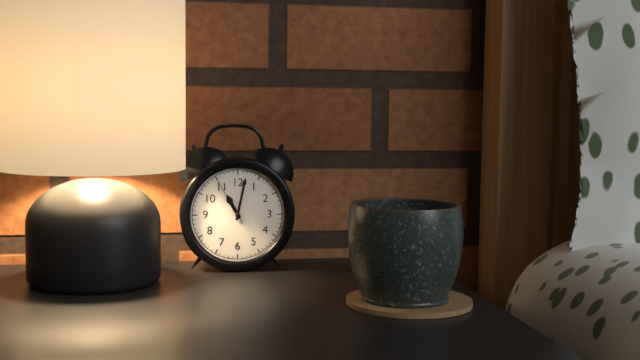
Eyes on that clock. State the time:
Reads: 11:02:55
